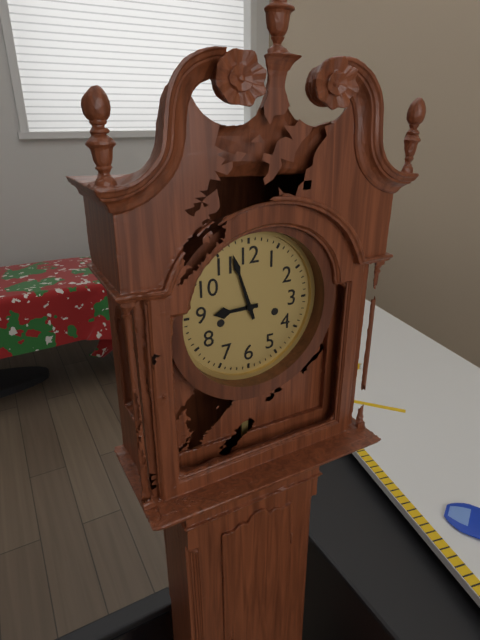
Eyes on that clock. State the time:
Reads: 8:57
